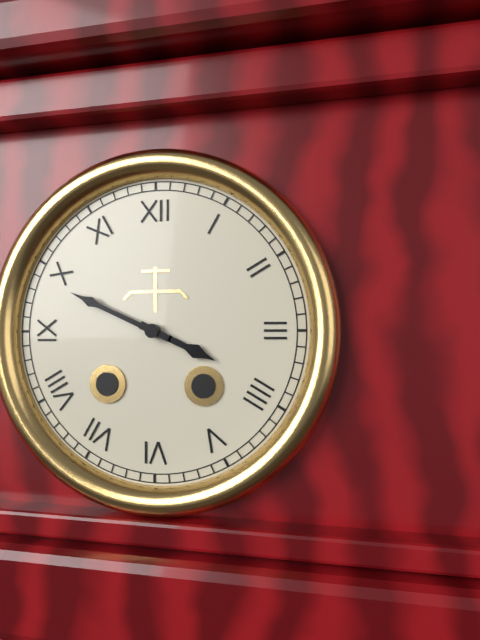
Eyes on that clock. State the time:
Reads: 3:49
